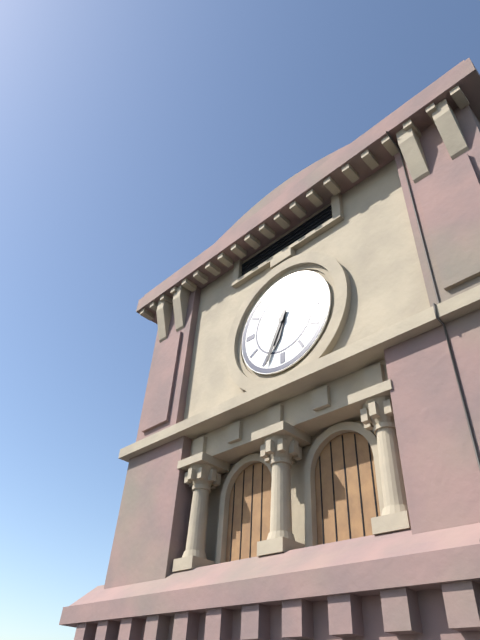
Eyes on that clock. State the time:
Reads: 6:34
